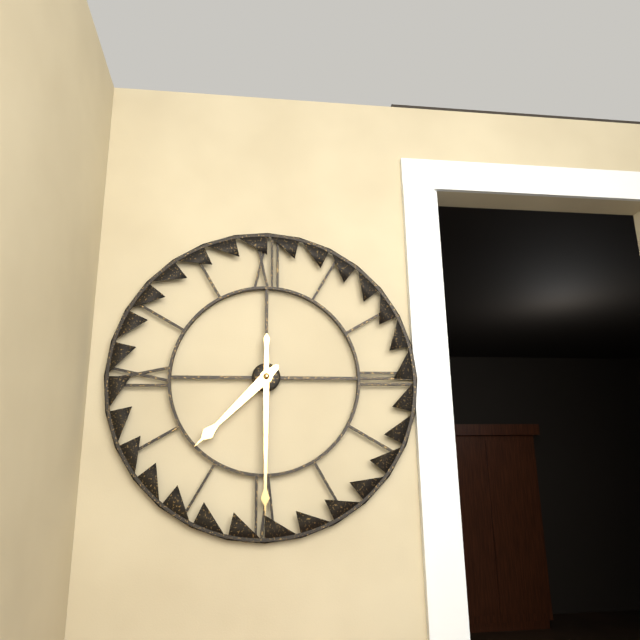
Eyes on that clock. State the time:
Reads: 7:30
